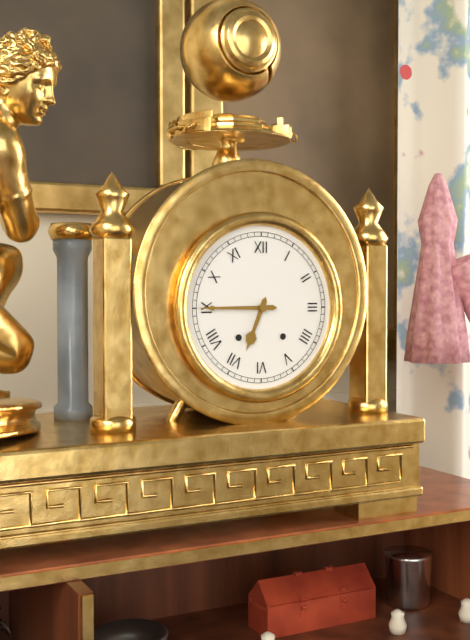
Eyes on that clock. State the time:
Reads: 6:45
